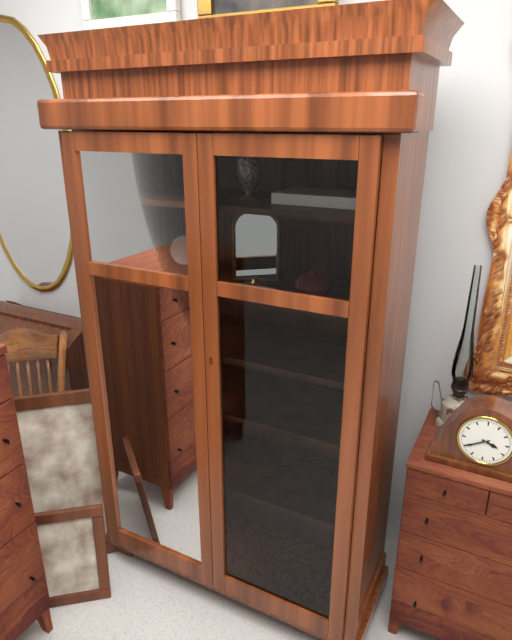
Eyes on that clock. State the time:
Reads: 3:40
